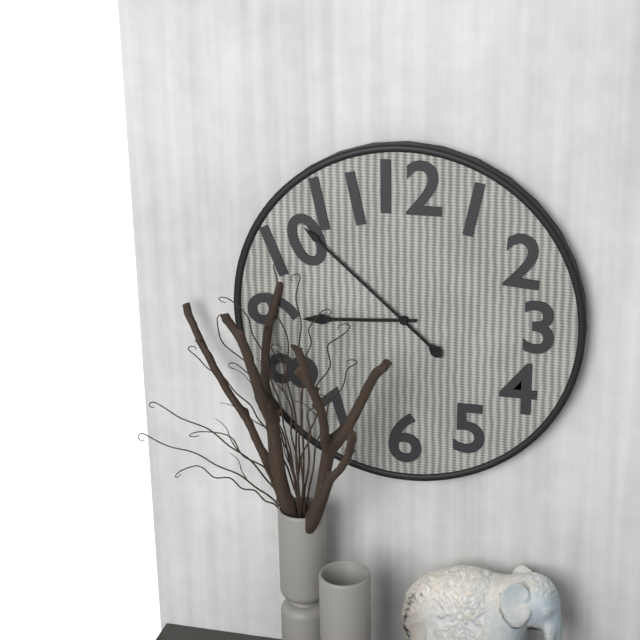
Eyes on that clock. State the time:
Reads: 8:52
